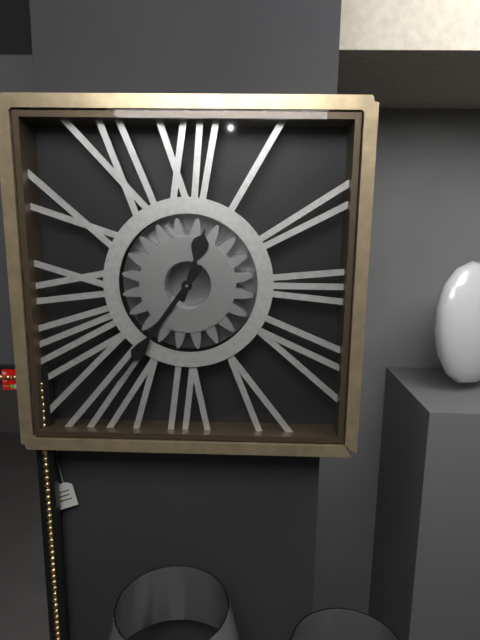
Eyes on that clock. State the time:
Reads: 12:36
